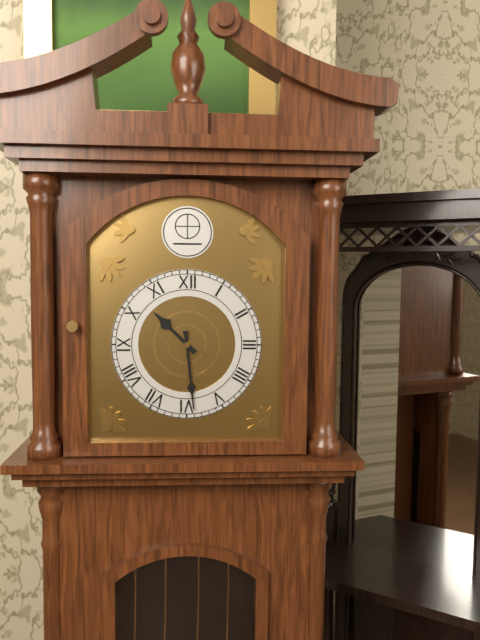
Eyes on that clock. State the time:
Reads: 10:29
